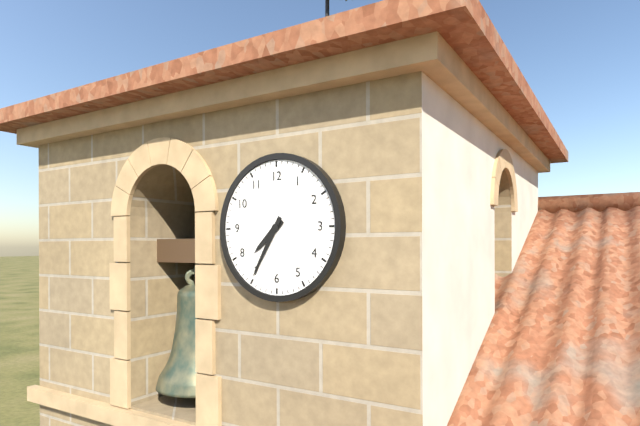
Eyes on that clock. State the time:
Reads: 7:35
